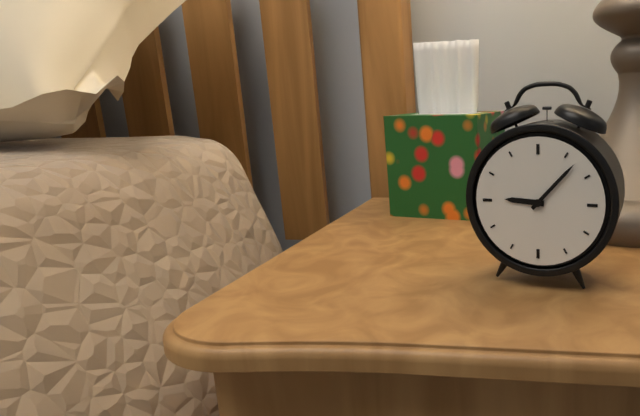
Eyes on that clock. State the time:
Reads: 9:07
